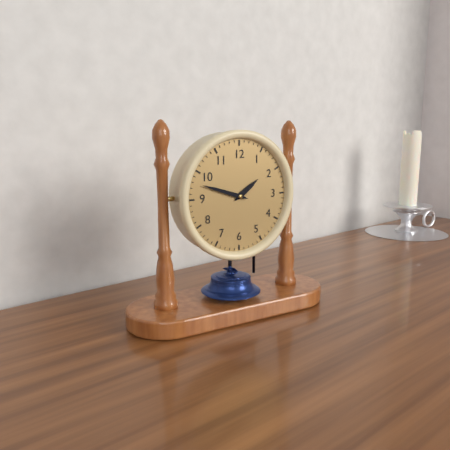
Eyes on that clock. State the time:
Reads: 1:48
